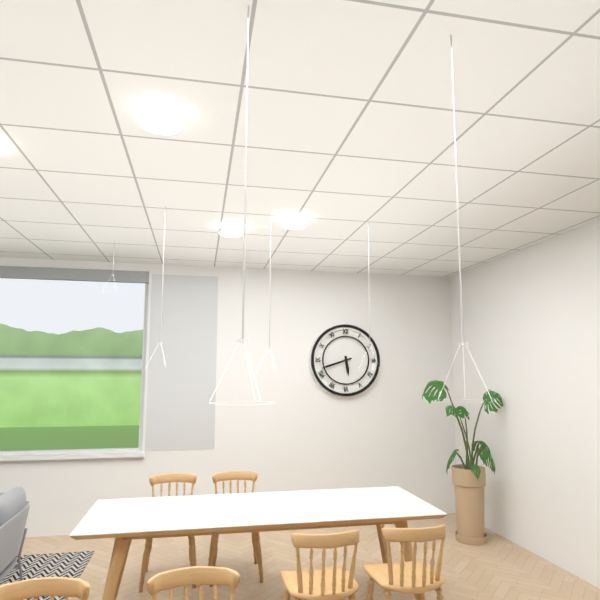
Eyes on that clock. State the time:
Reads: 5:42
